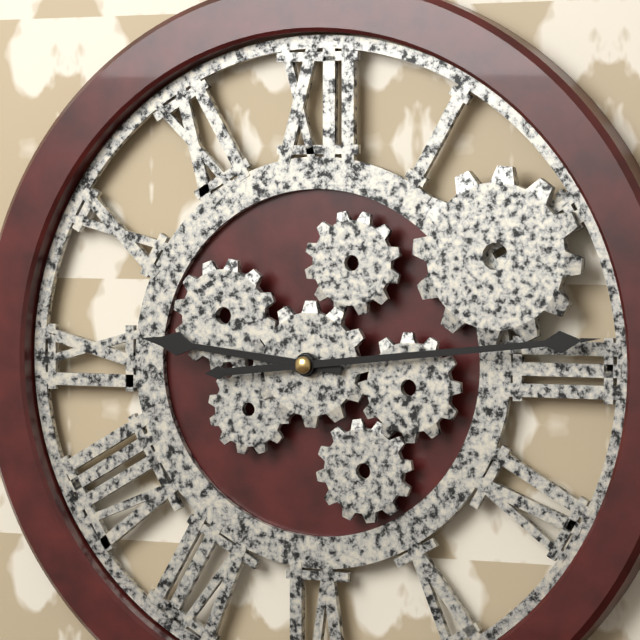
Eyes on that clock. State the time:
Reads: 9:14
